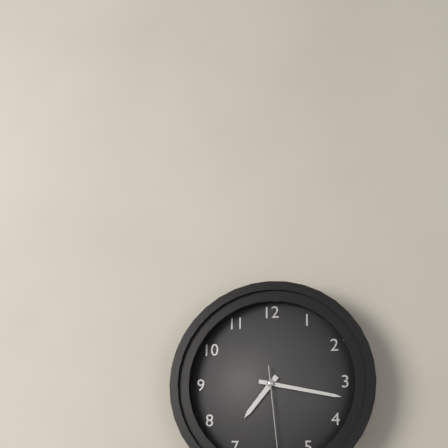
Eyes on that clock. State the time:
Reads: 7:17
